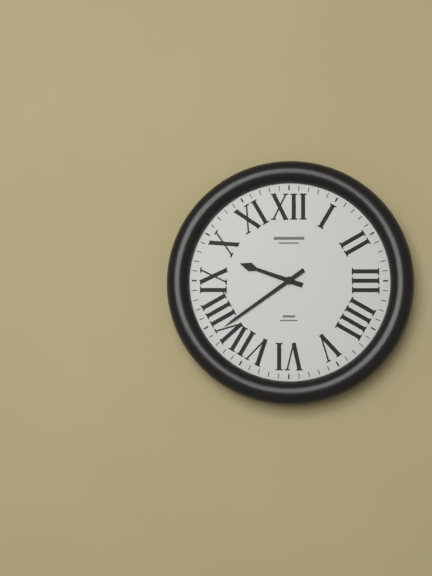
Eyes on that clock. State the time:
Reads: 9:39
